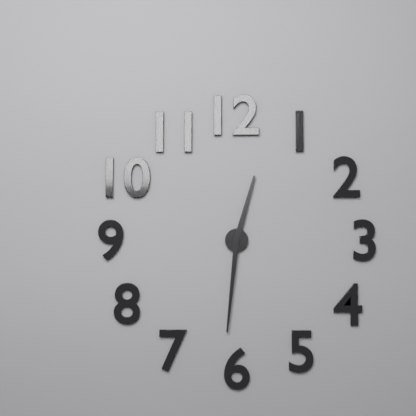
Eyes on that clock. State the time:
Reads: 12:31
